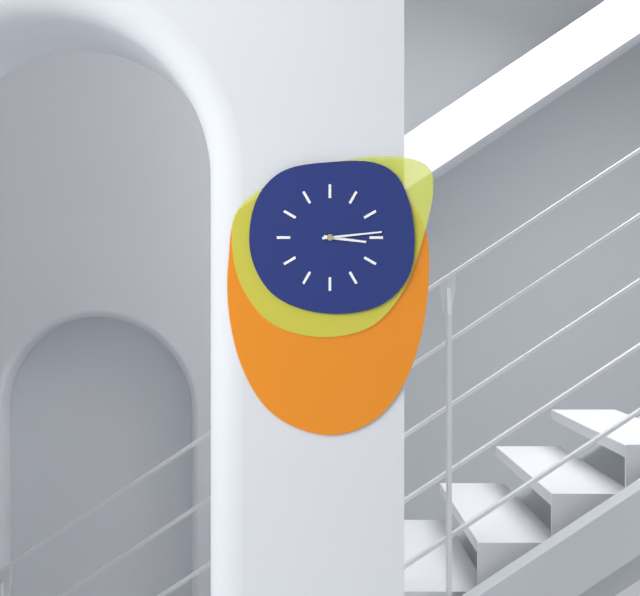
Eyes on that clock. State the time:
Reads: 3:14
